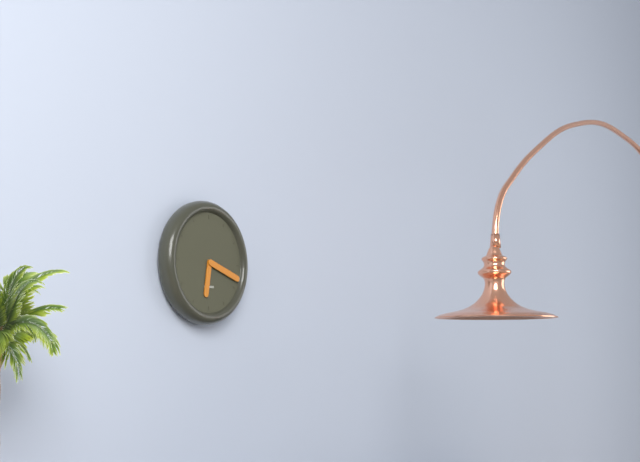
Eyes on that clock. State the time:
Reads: 6:18
